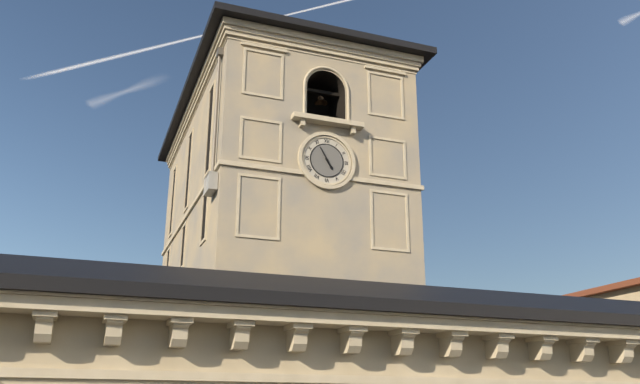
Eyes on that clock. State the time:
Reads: 4:55
